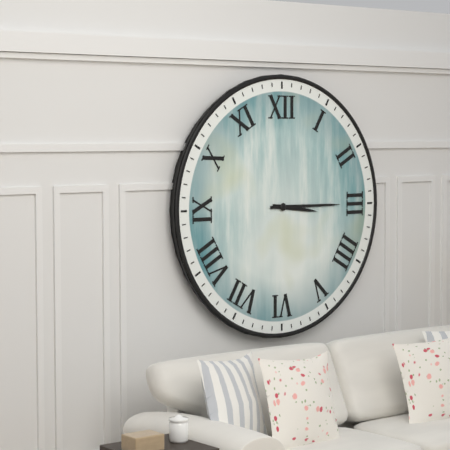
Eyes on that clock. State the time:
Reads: 3:15
